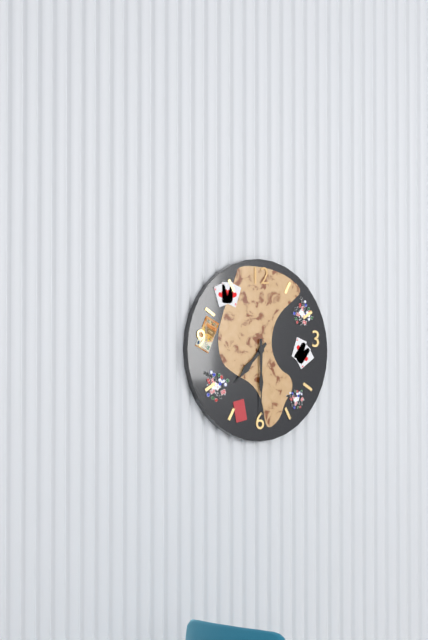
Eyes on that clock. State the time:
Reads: 7:30
